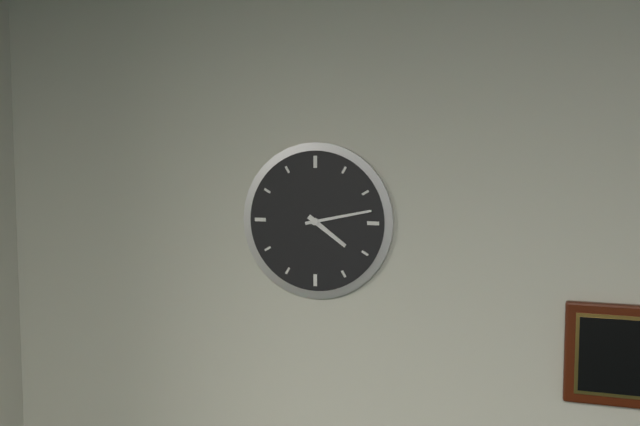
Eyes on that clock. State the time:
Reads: 4:13
